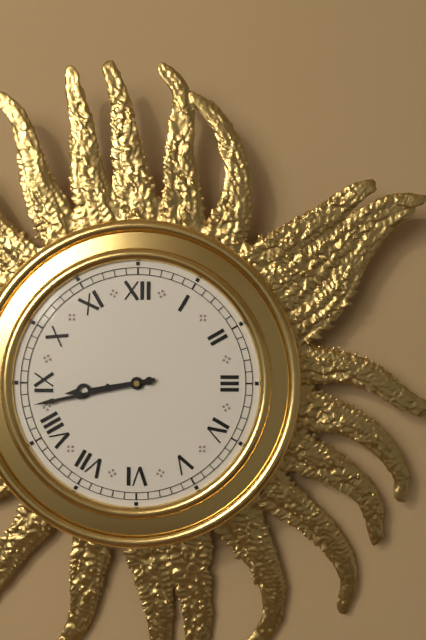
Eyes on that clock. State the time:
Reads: 8:43
